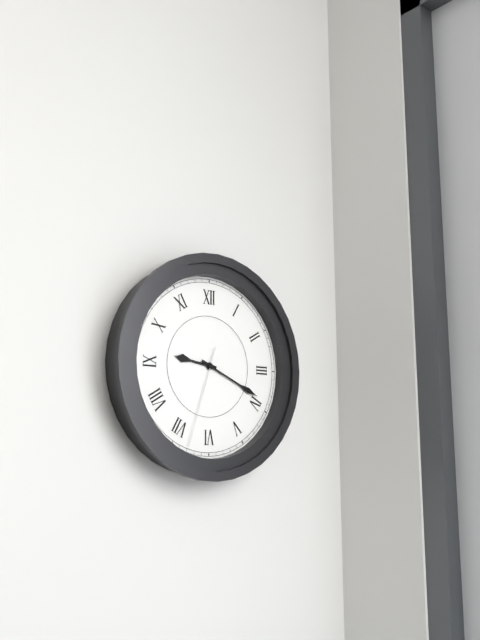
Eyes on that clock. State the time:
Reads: 9:19:33
